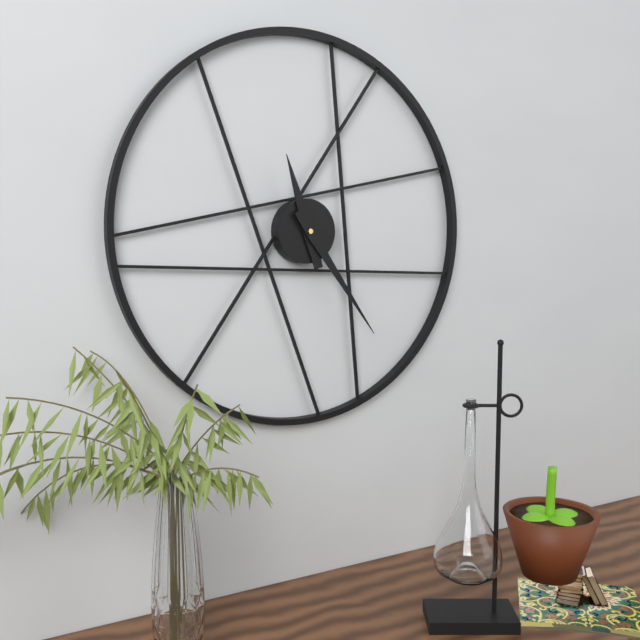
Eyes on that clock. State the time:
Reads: 11:24
